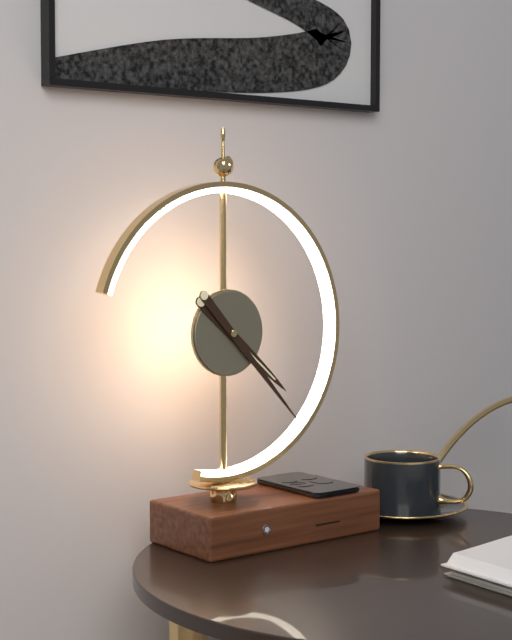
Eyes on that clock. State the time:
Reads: 4:23
